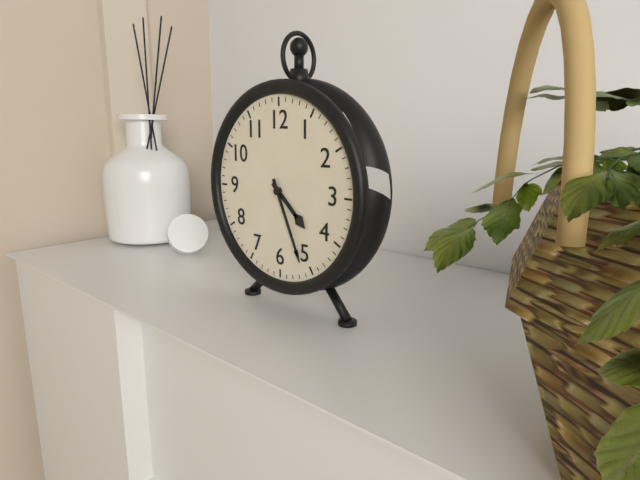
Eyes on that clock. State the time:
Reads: 4:26
